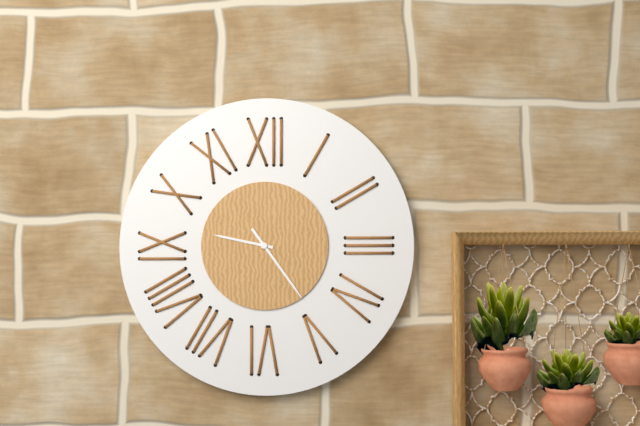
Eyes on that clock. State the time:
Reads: 9:24
